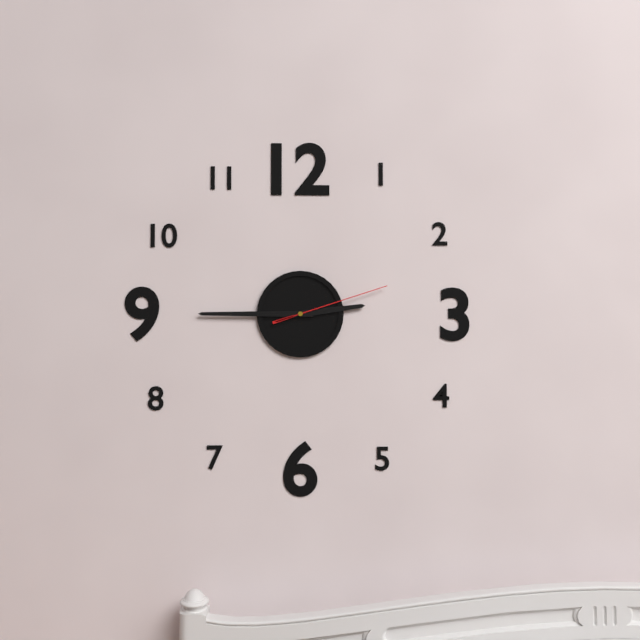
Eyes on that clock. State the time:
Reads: 2:45:12
